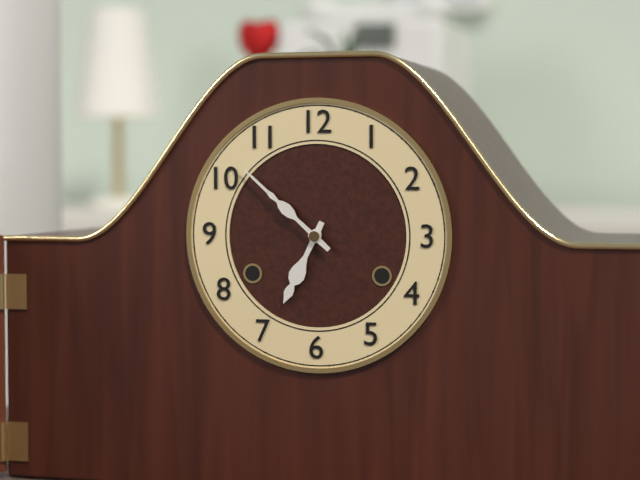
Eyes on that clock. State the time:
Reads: 6:52
